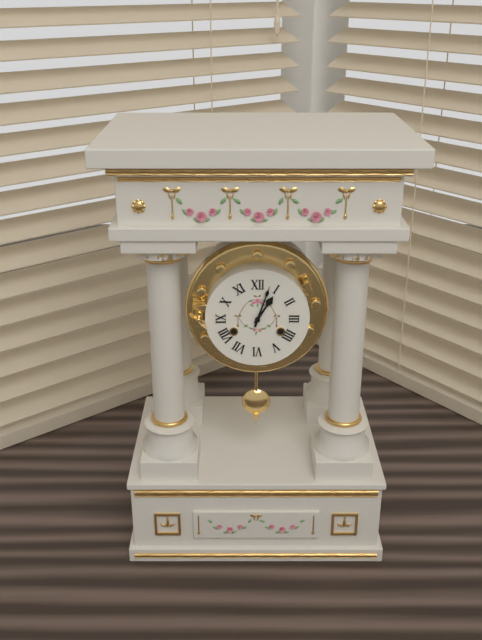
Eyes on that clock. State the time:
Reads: 1:03
